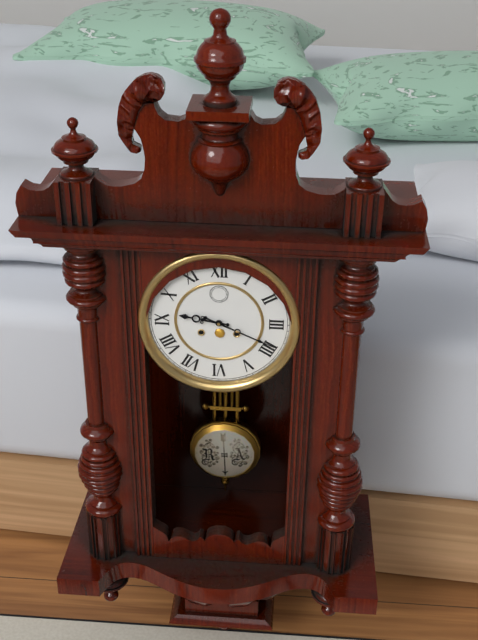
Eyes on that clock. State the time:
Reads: 9:19
